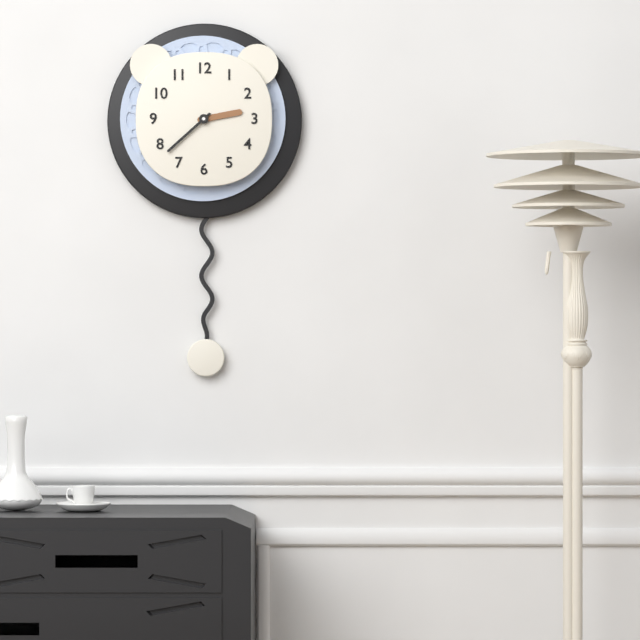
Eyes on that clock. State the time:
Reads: 2:38
